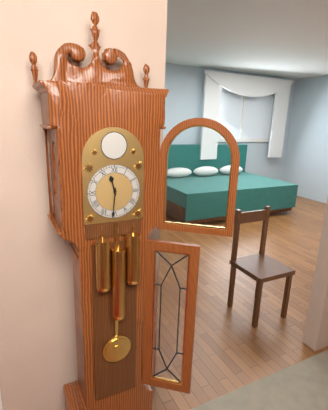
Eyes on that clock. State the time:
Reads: 11:31
